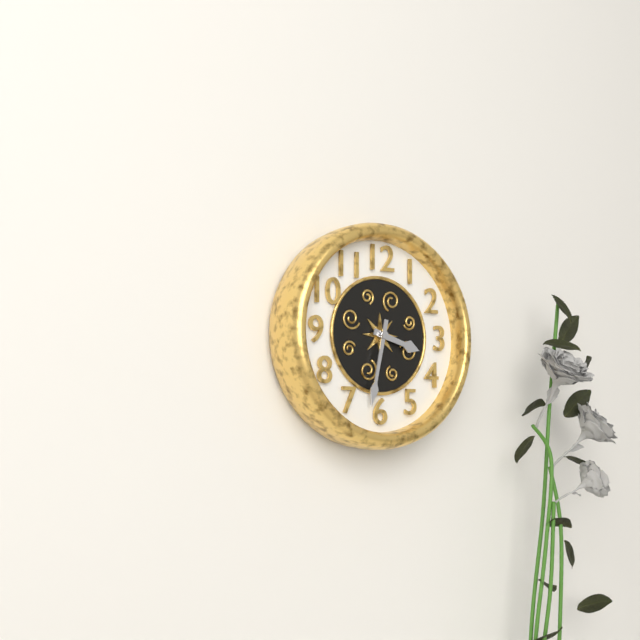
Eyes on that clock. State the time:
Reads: 3:32
